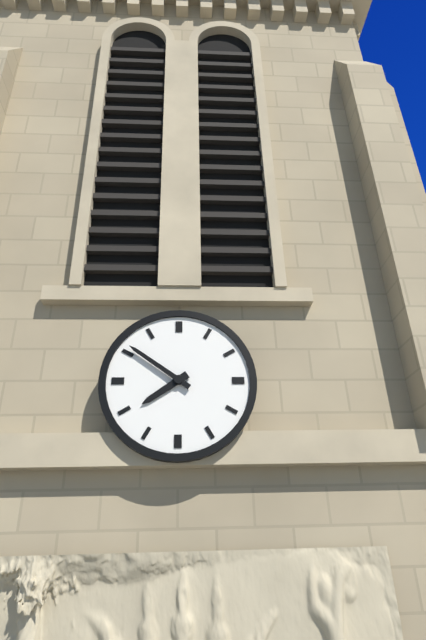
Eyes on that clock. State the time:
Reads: 7:51
